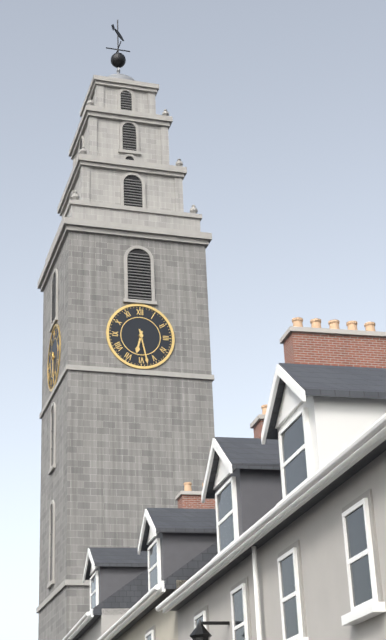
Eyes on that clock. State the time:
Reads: 6:28
